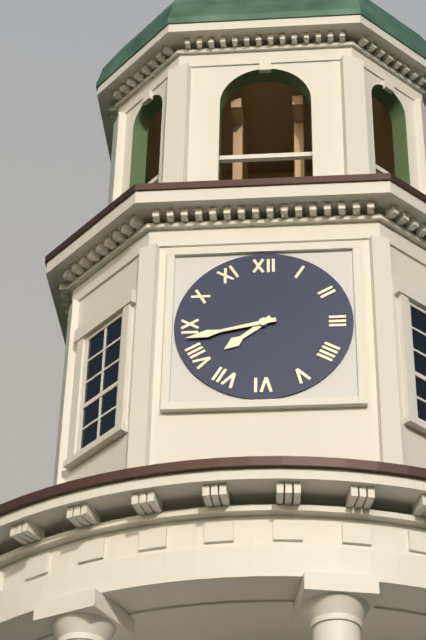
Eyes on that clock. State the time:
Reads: 7:43
